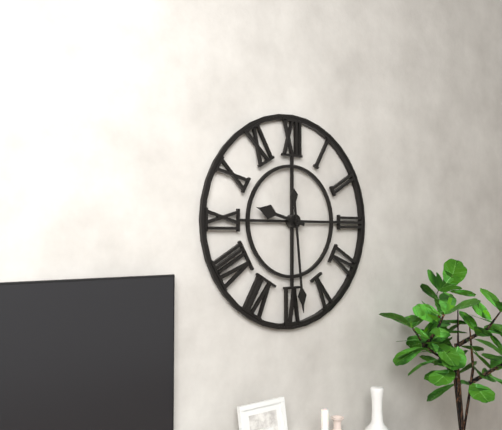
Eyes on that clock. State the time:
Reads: 9:29
